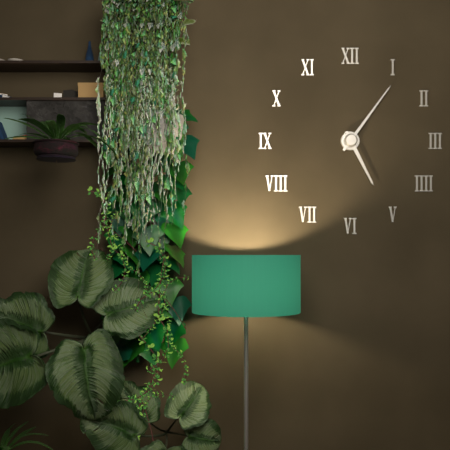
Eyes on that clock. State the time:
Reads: 5:06
